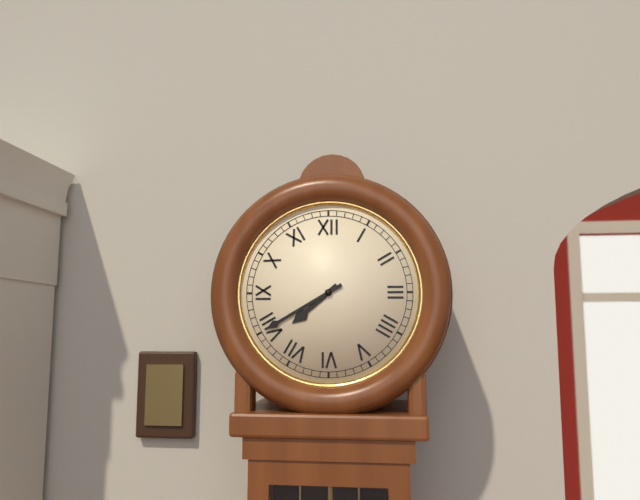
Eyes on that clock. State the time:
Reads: 7:40
